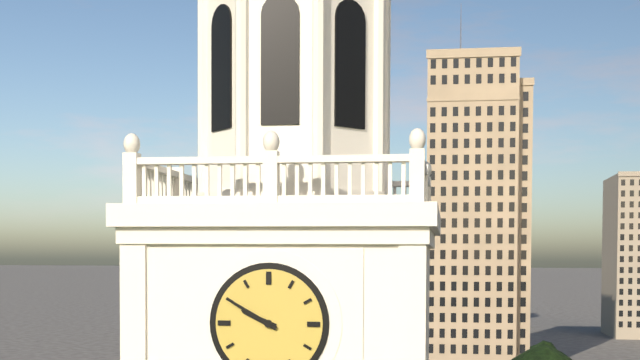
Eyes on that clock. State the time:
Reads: 9:50
